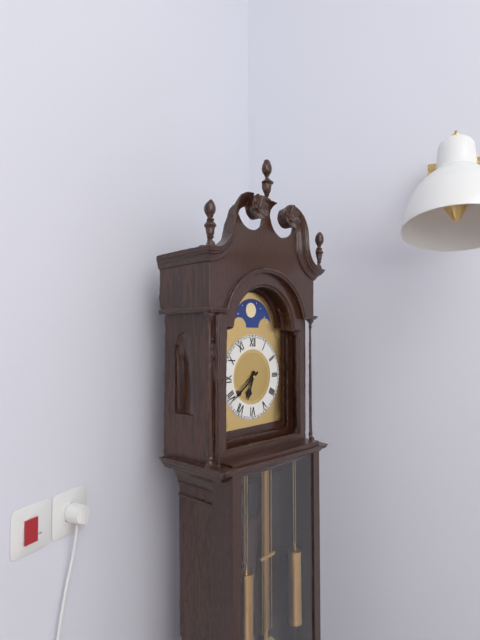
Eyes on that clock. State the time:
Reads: 6:39
